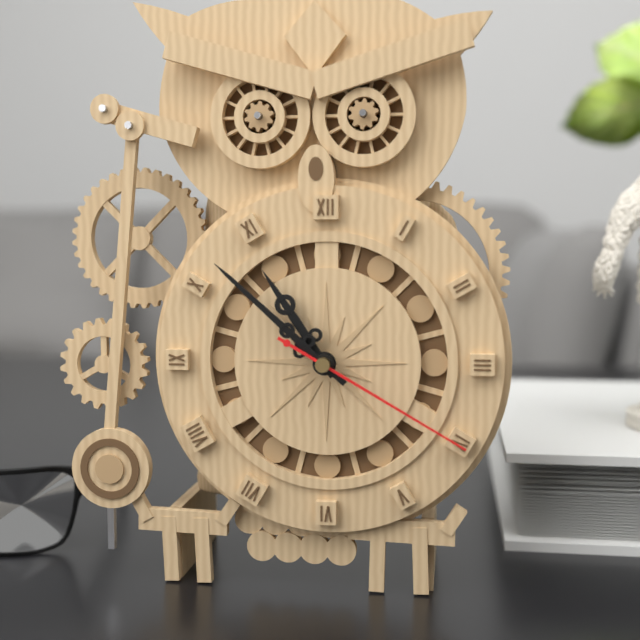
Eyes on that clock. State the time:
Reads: 10:52:20
